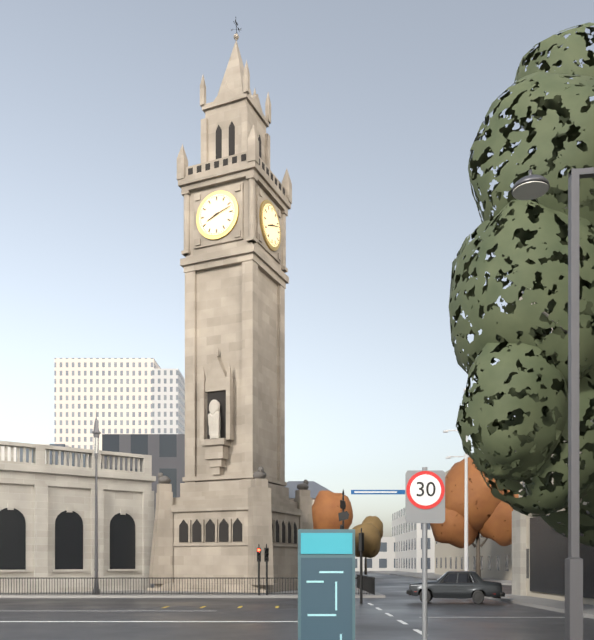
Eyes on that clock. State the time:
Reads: 8:12
